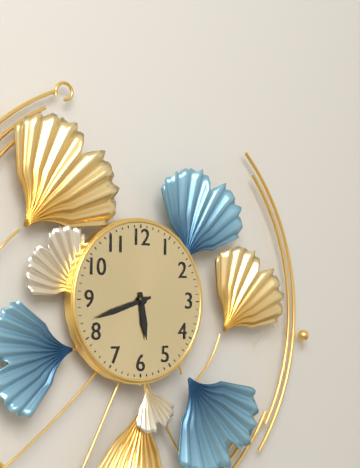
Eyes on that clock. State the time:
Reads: 5:42
